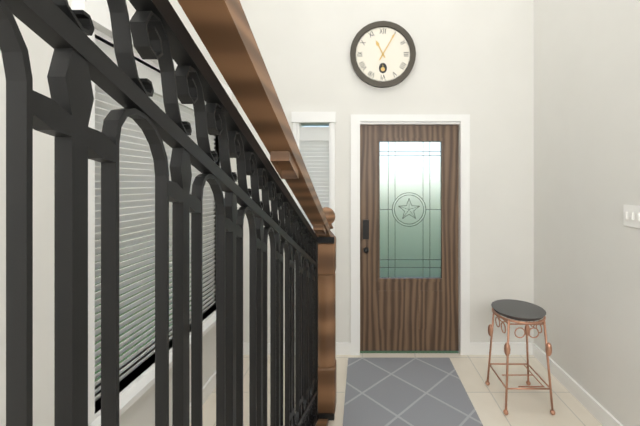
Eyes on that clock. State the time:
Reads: 11:05
